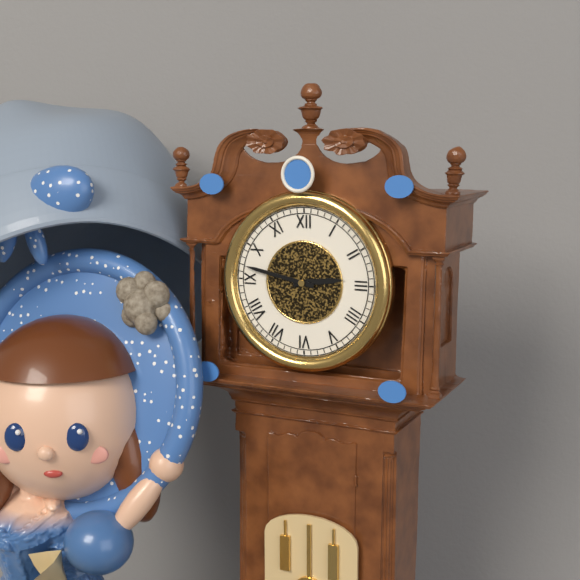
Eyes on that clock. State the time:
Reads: 2:47
